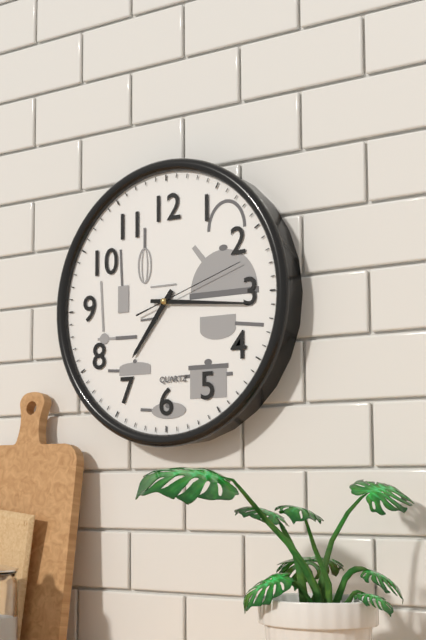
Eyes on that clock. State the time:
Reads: 7:16:12
